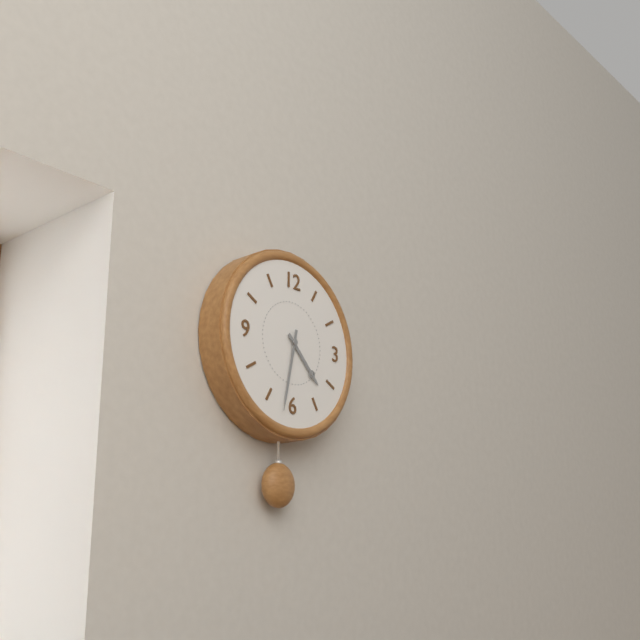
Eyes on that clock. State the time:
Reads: 4:32
